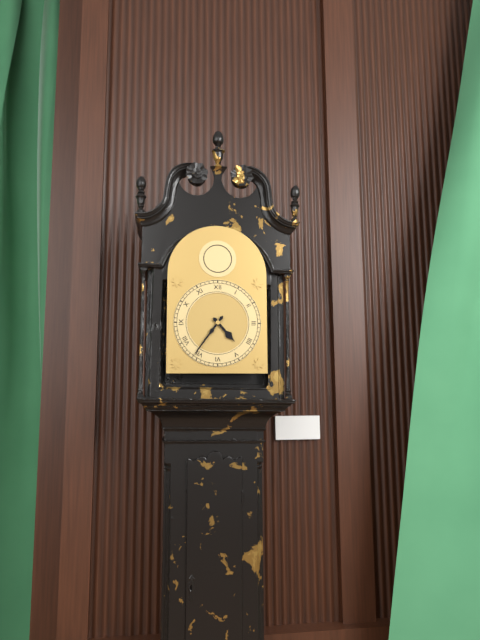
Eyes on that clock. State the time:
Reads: 4:36
